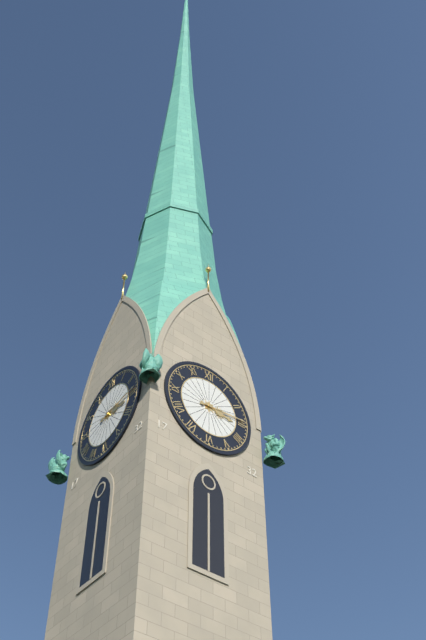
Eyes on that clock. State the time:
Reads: 3:14
